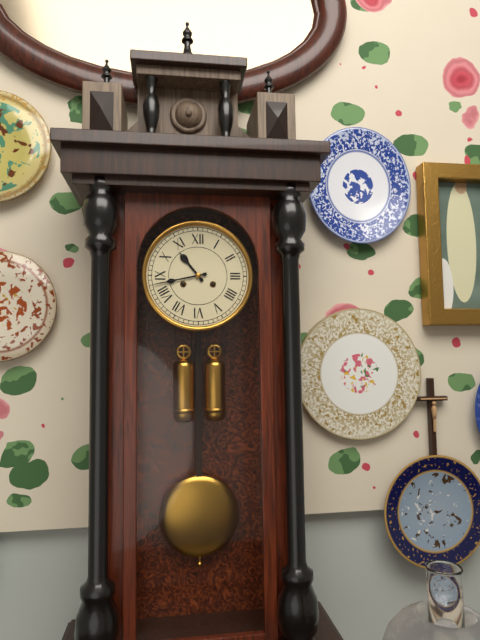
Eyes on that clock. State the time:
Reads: 10:43
